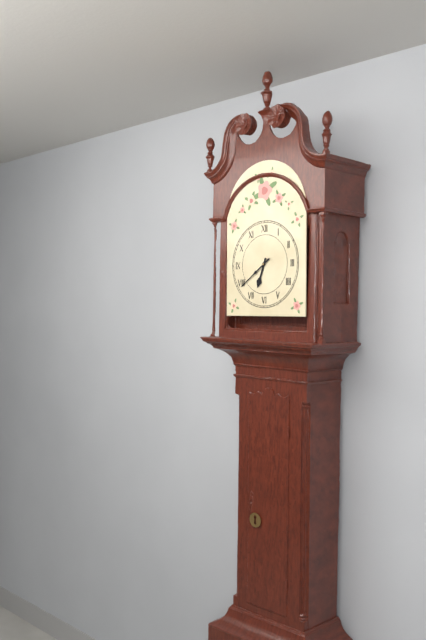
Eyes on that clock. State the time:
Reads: 6:39
